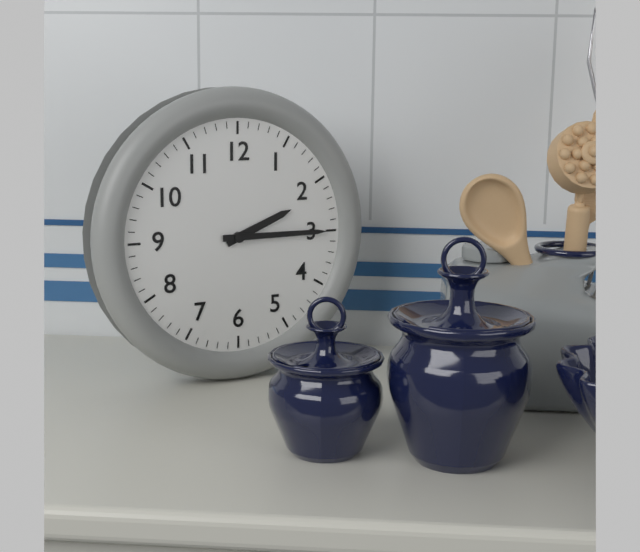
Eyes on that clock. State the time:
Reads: 2:15
